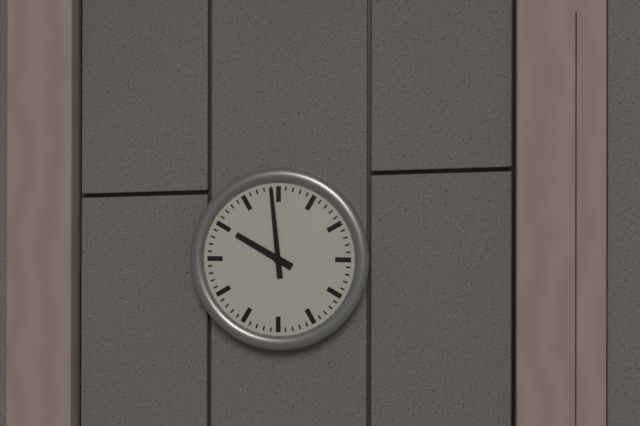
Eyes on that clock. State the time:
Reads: 9:59
